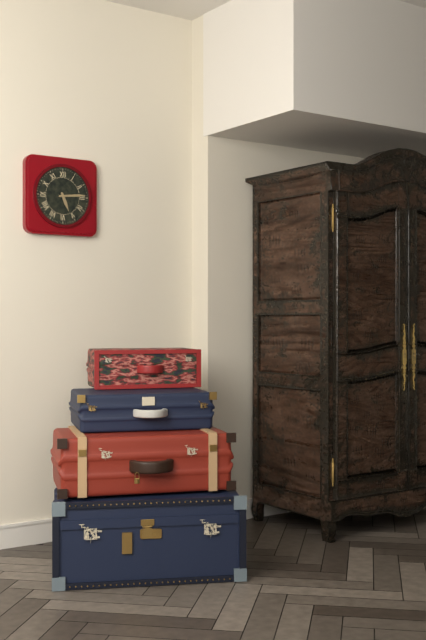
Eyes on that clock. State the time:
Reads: 5:14
